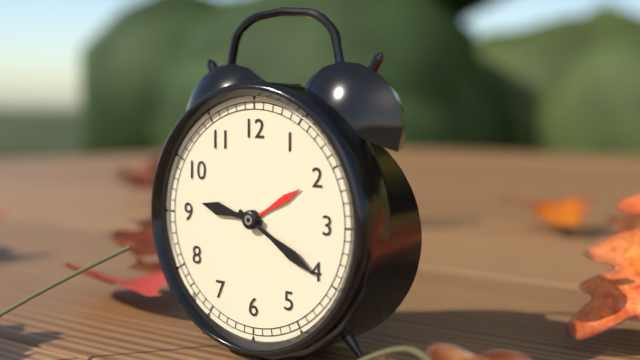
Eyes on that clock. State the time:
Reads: 9:20
